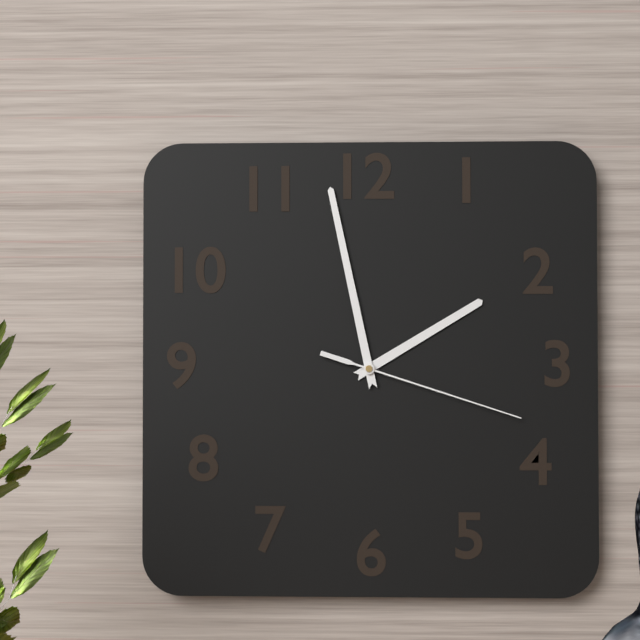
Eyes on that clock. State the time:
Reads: 1:58:18
